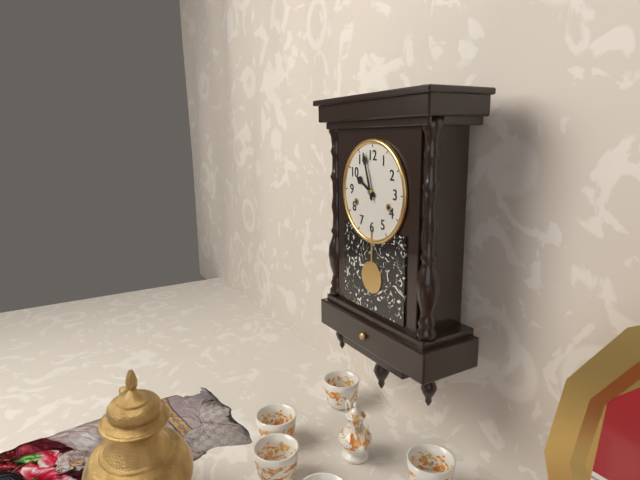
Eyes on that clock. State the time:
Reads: 9:57
